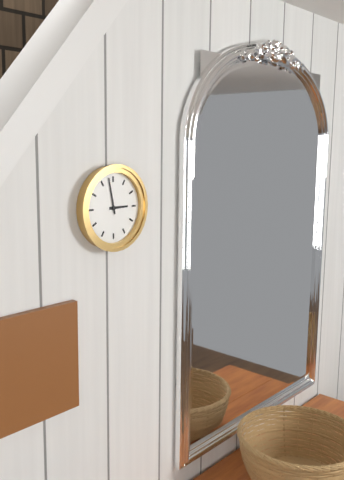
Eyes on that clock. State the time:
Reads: 2:58
